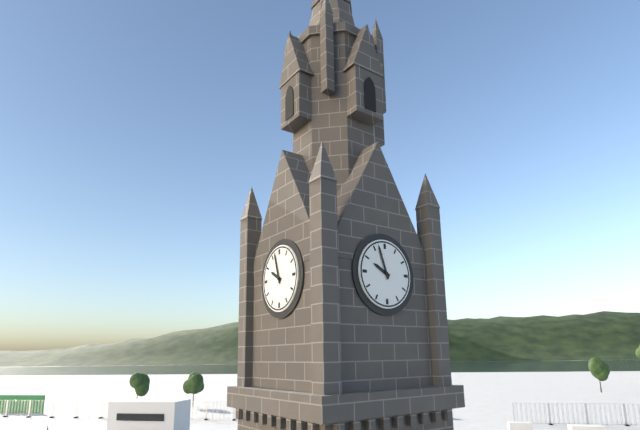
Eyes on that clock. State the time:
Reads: 9:57
